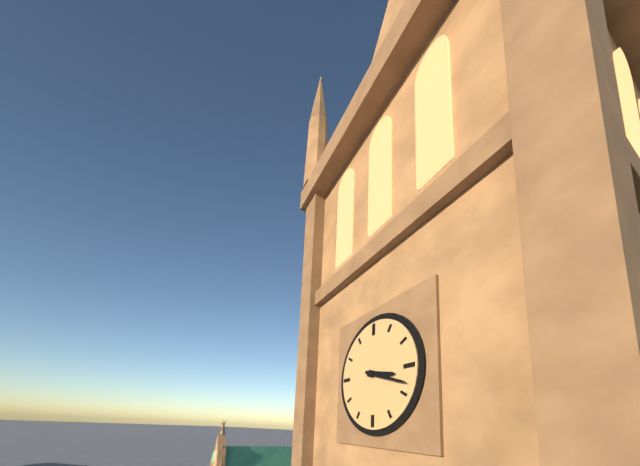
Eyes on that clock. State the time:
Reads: 3:18
